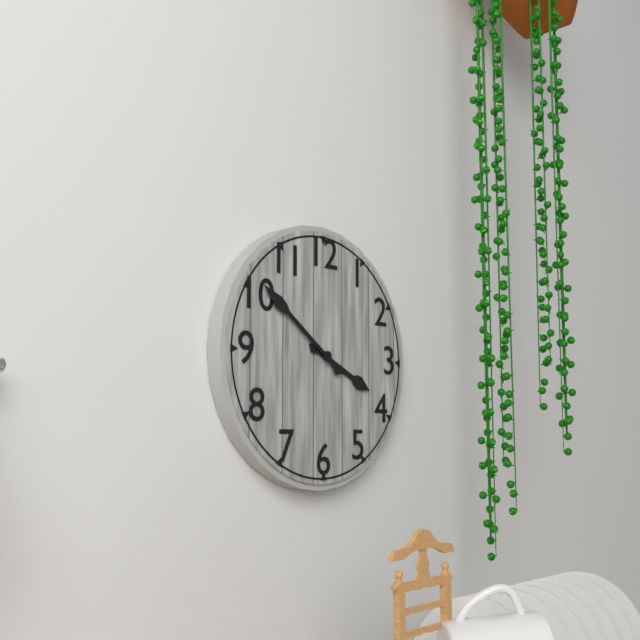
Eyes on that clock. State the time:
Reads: 3:51
